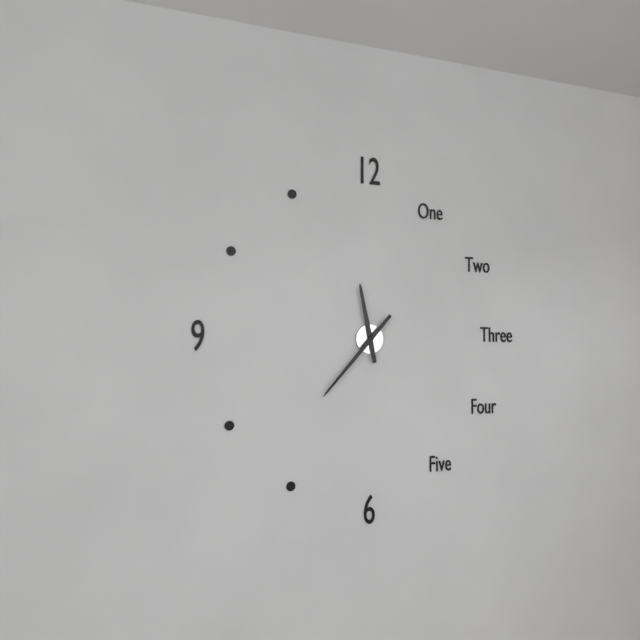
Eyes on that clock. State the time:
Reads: 11:37
